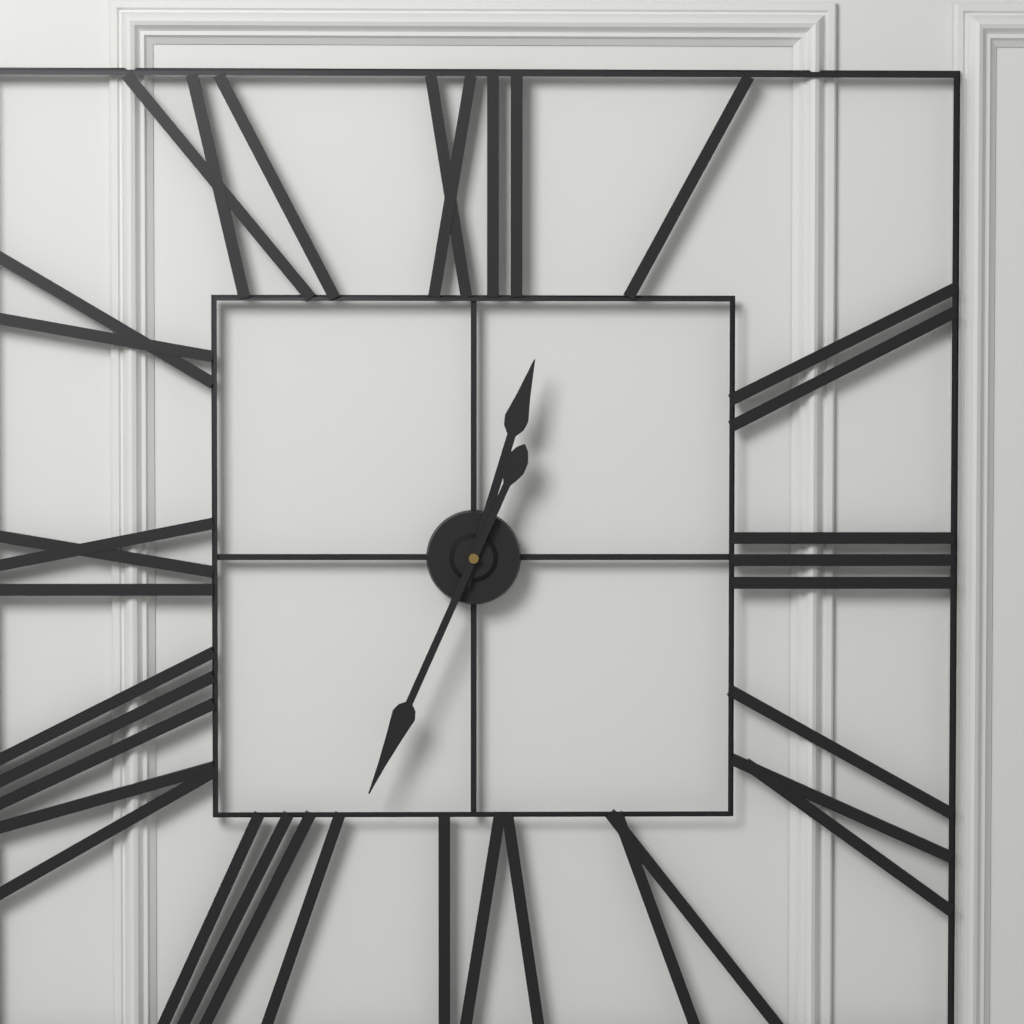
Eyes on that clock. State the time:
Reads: 12:34
